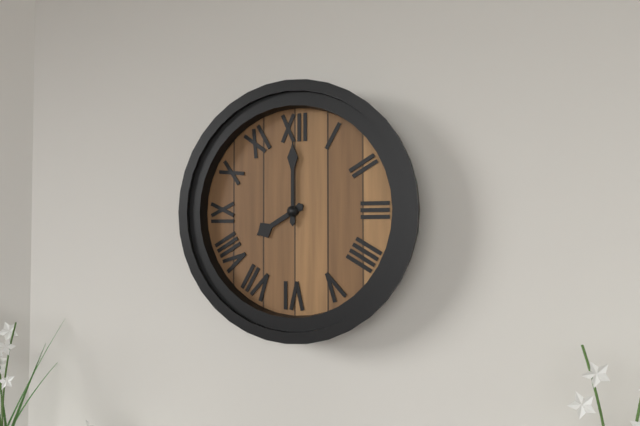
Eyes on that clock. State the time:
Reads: 8:00
